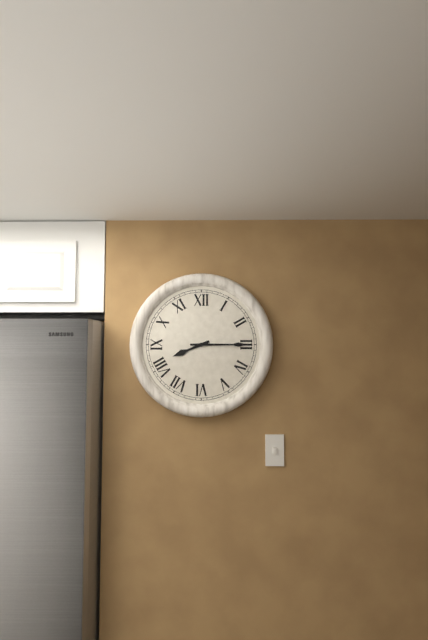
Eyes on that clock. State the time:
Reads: 8:15
